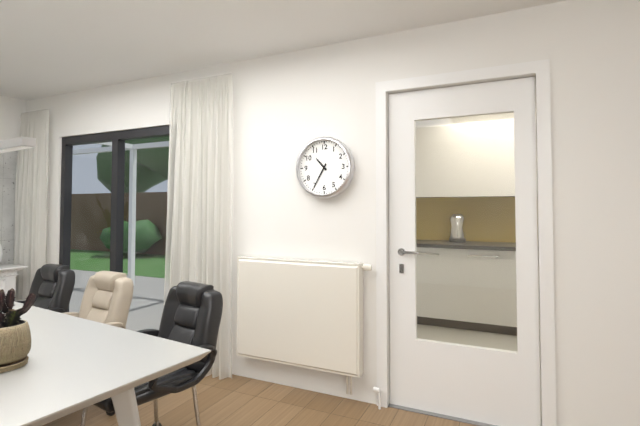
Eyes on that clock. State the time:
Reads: 10:35
